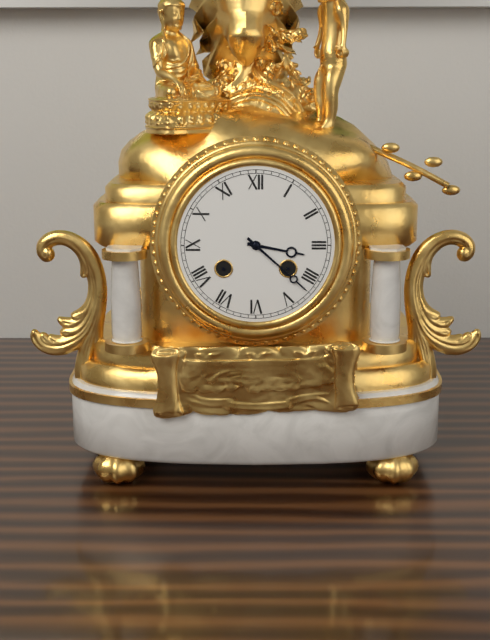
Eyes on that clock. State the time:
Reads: 3:22
